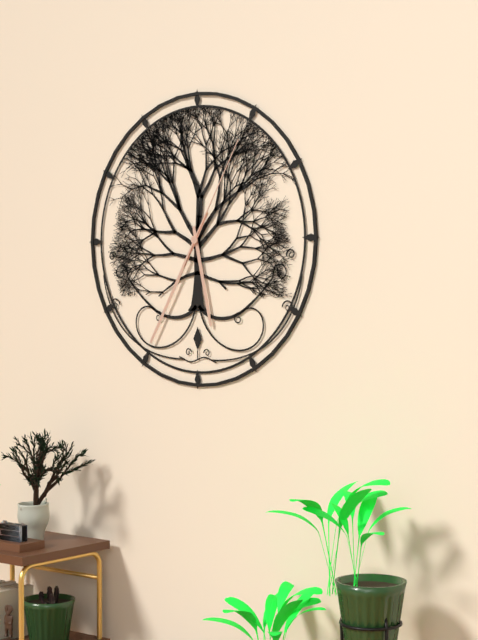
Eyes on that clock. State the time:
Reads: 5:35:05
